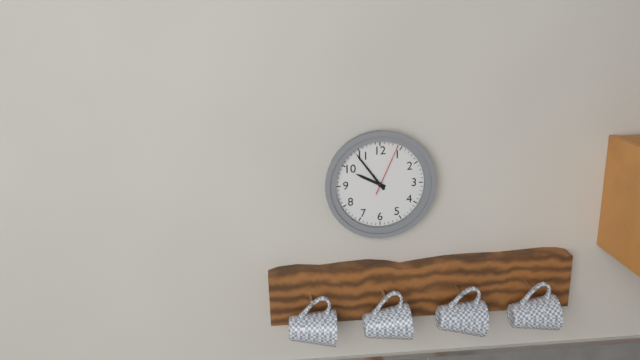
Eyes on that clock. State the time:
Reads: 9:54:04
